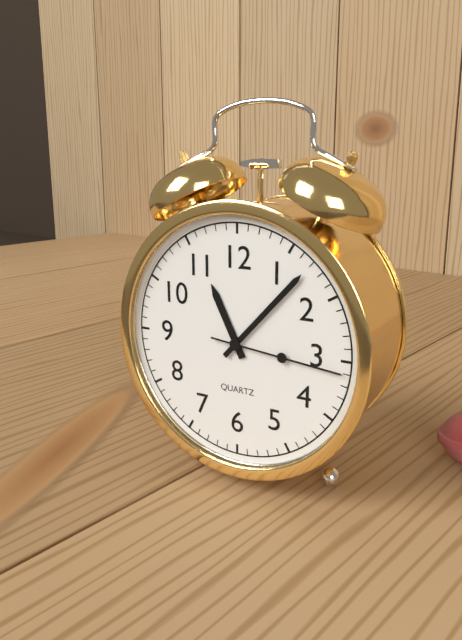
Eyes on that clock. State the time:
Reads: 11:07:16
